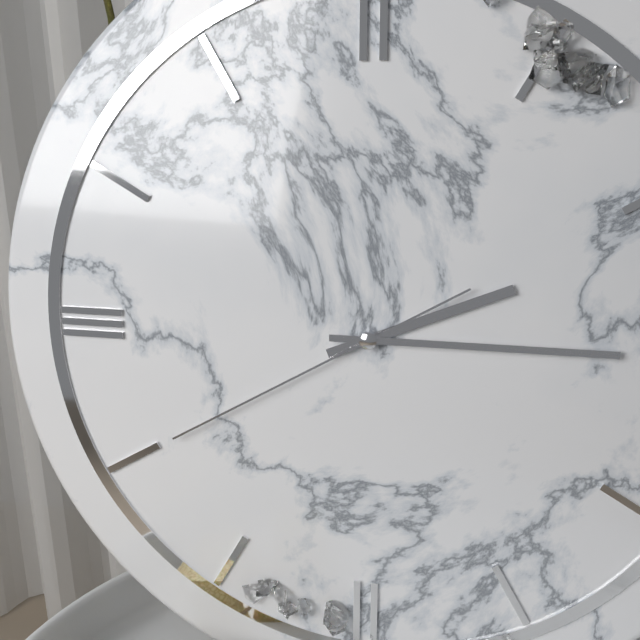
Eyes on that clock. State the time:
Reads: 2:15:40
